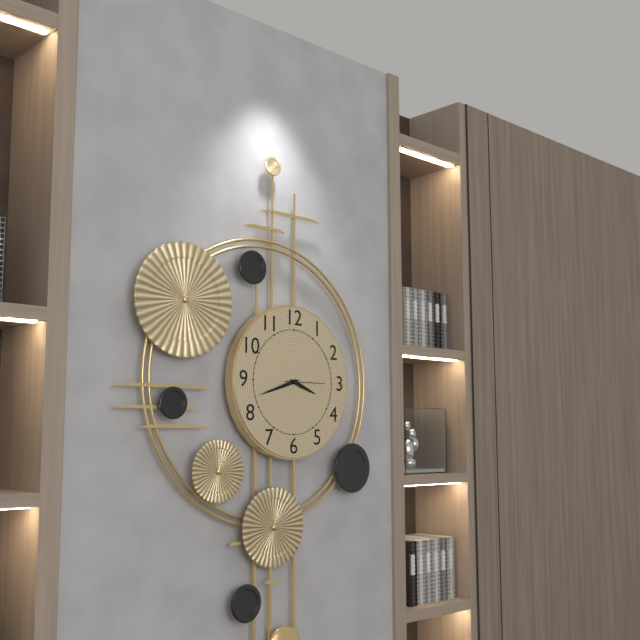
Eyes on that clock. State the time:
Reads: 3:42
